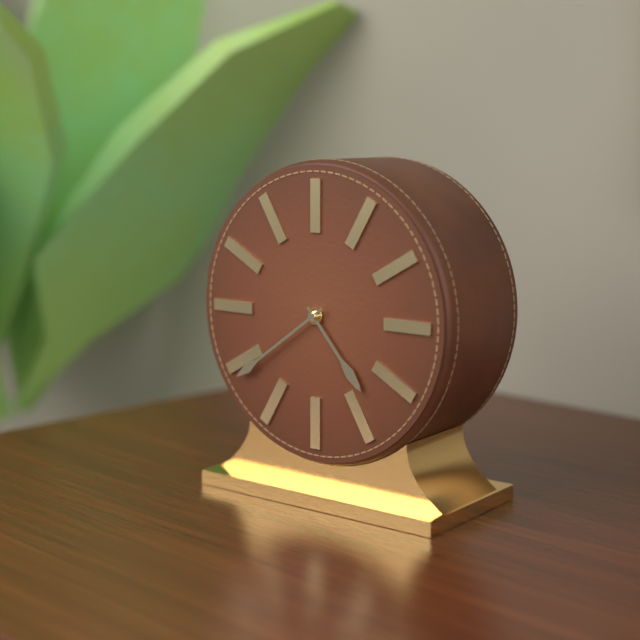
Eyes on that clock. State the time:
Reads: 4:39
